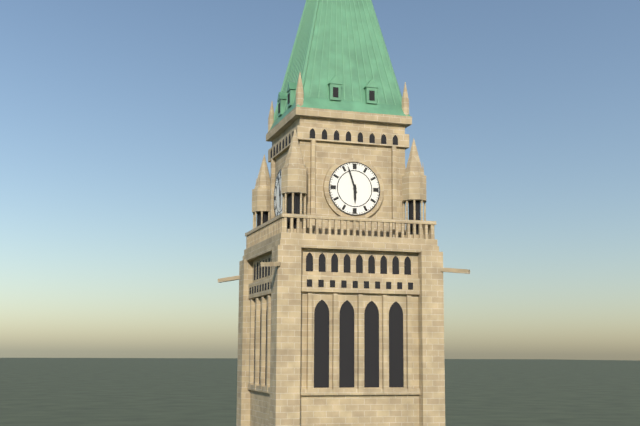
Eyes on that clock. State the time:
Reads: 5:57
